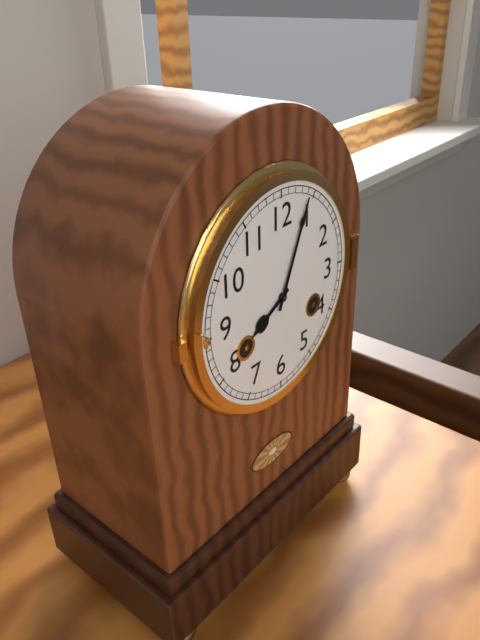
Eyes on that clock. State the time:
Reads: 8:04
